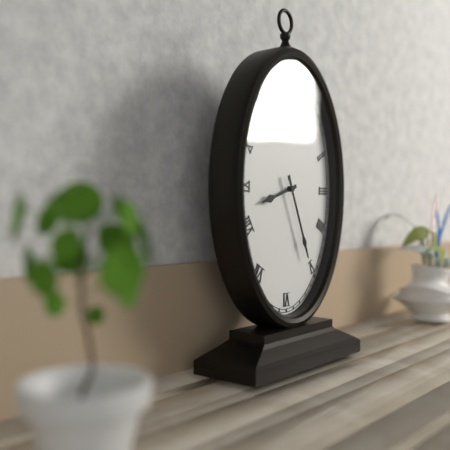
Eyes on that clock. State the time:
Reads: 8:26
